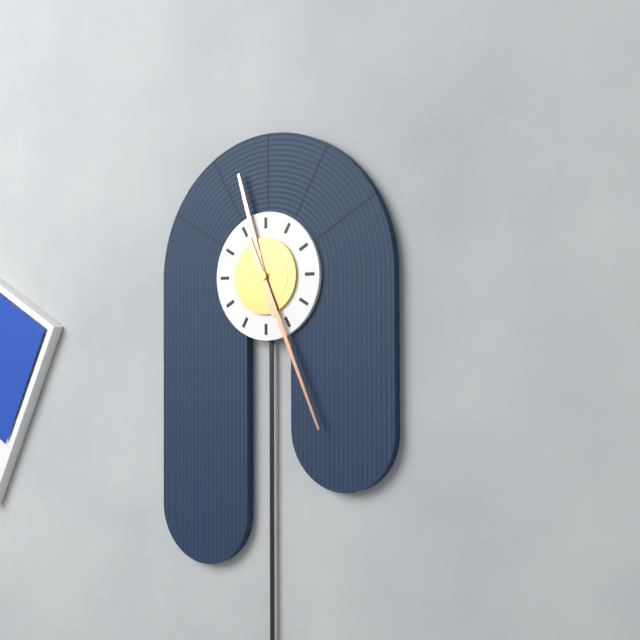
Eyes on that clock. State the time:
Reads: 11:26
